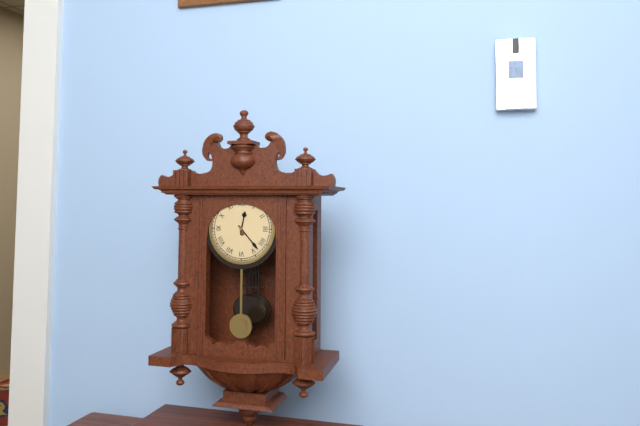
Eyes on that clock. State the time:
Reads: 12:23
